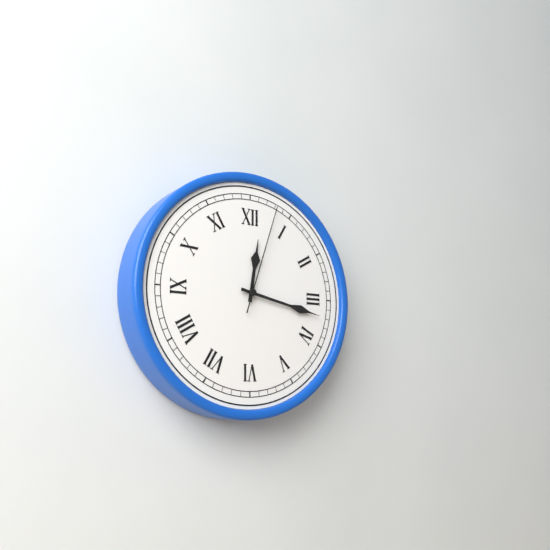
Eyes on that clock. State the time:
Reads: 12:17:03
